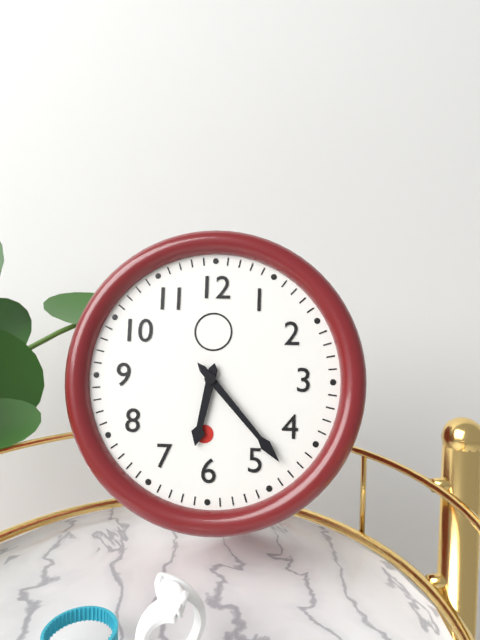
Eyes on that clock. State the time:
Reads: 6:23
